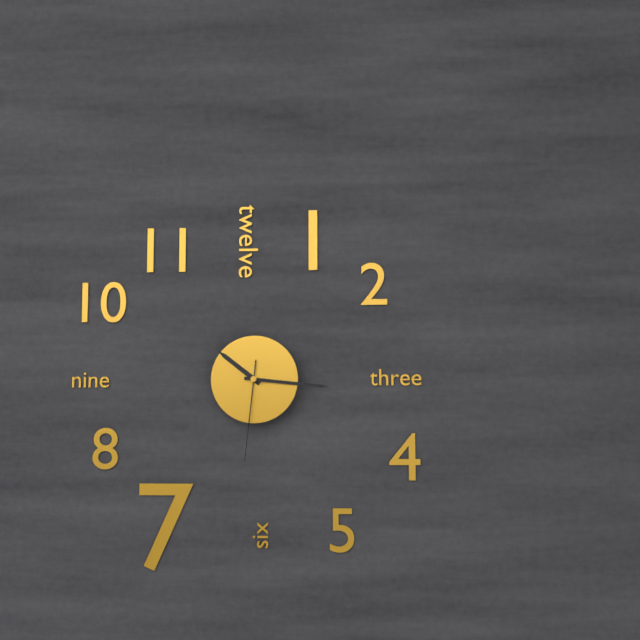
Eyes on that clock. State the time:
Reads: 10:16:31
